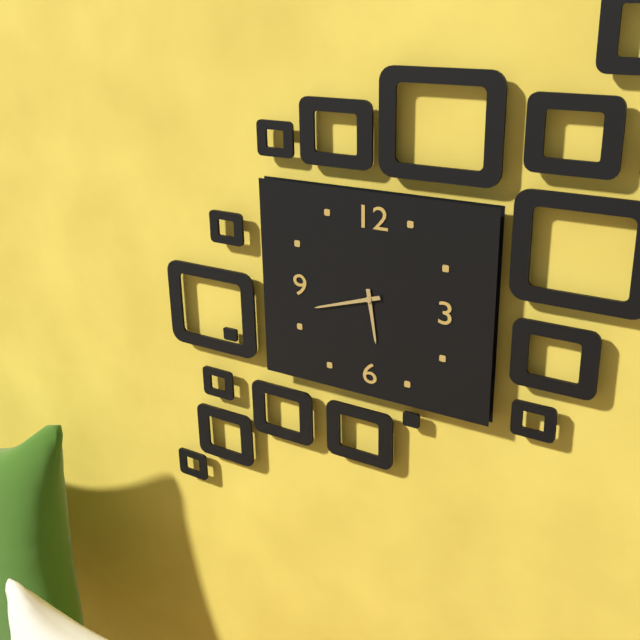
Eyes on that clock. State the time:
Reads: 5:42
